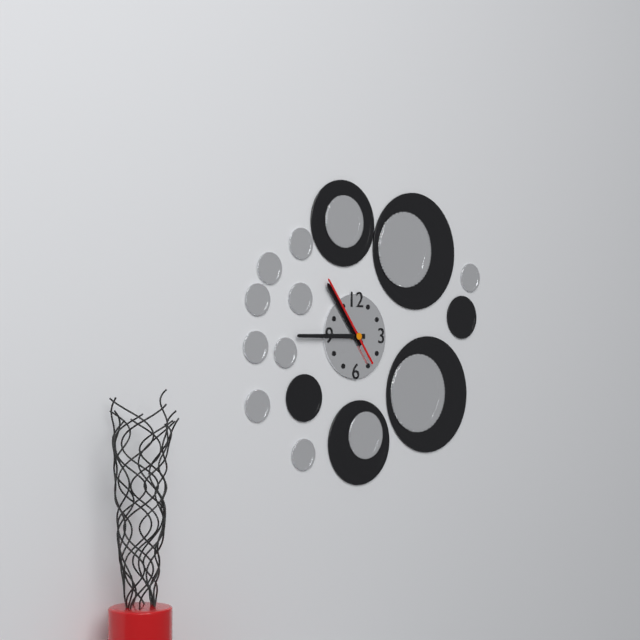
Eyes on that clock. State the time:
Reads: 10:45:54
